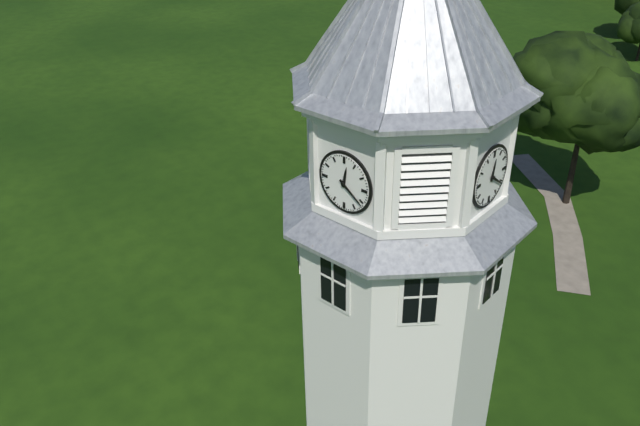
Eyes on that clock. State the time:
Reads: 12:21
